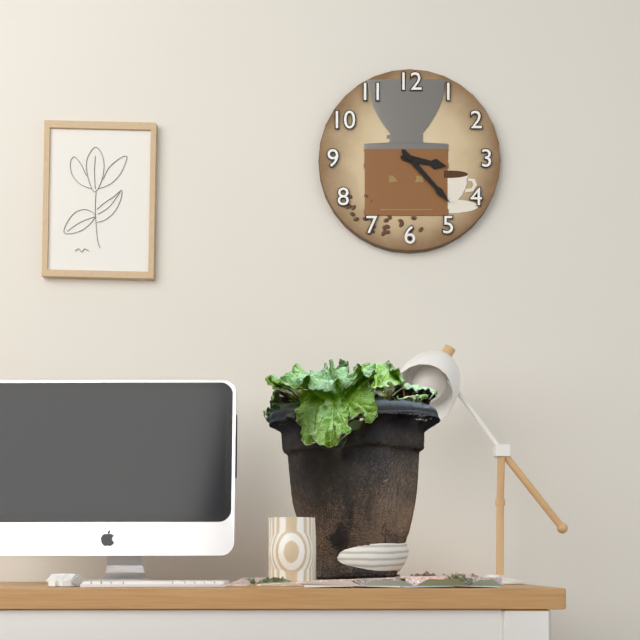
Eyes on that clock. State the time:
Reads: 3:23
